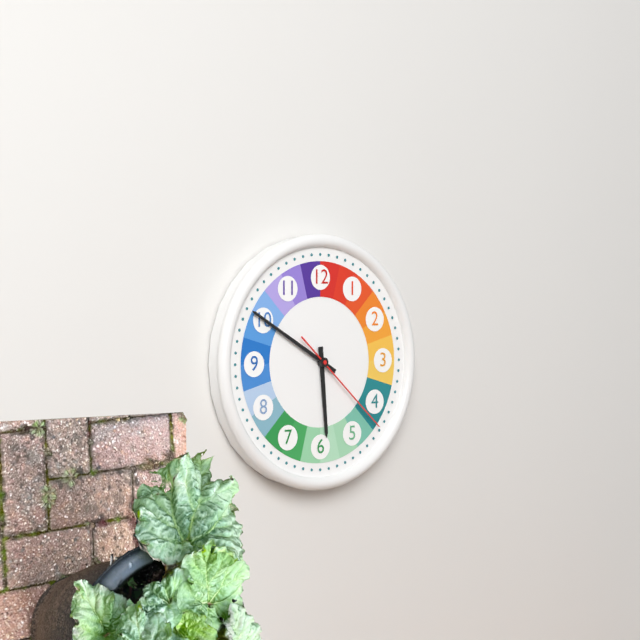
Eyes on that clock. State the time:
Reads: 5:50:22
